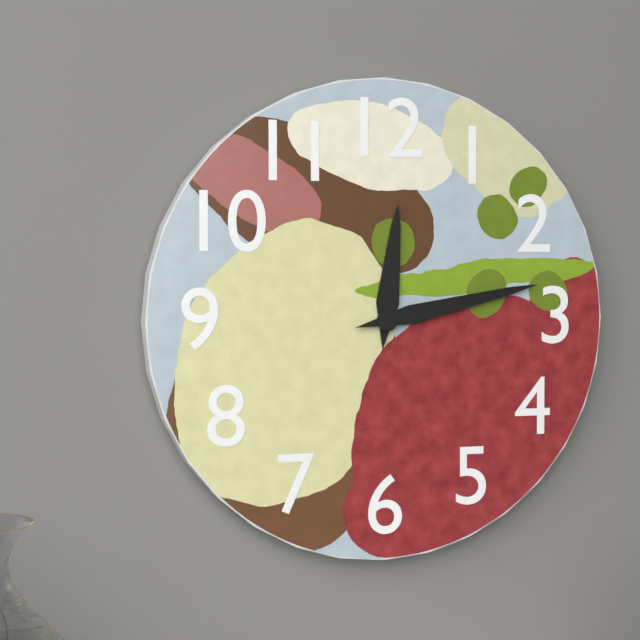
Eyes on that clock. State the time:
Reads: 12:13
